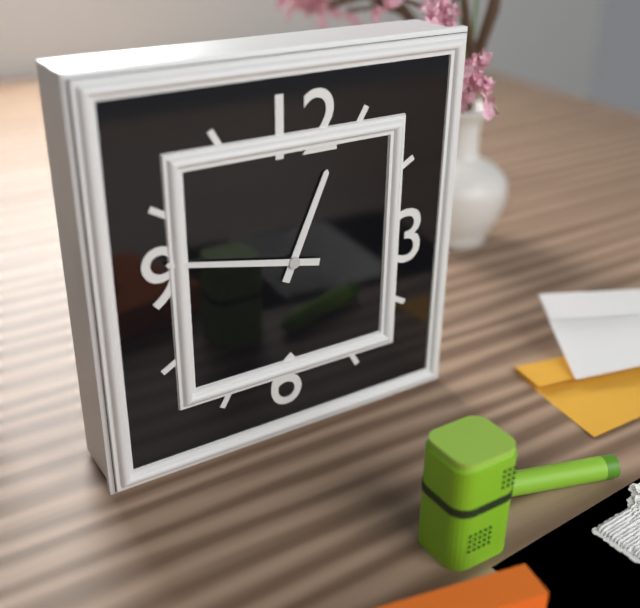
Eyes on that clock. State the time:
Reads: 12:47
